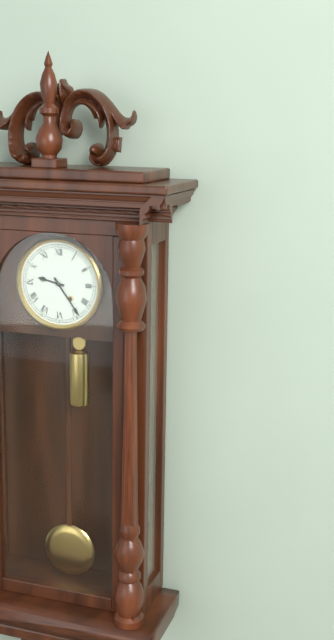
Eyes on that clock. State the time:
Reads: 9:24
